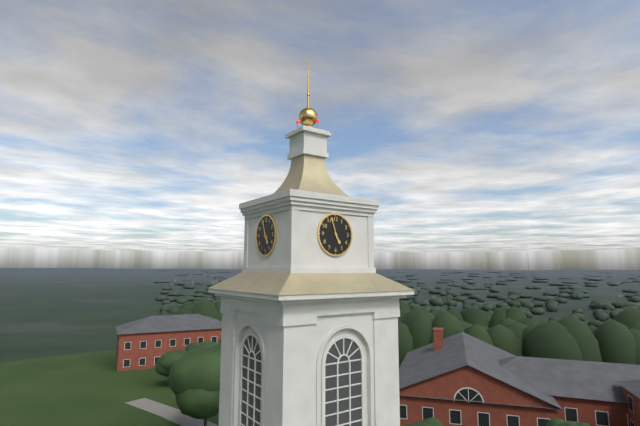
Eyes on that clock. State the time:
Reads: 4:57
